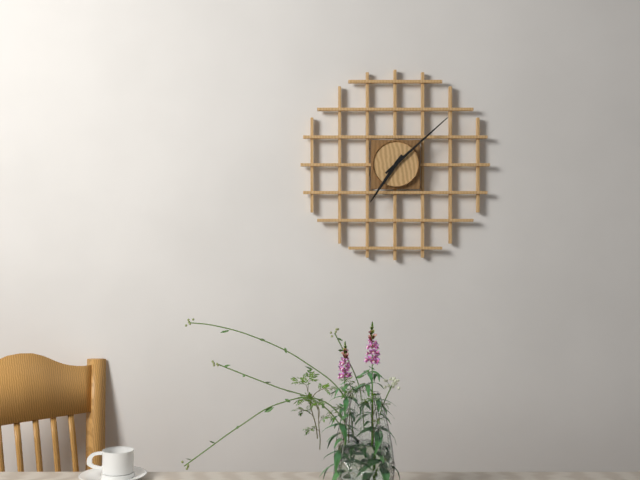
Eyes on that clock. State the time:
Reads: 7:08
